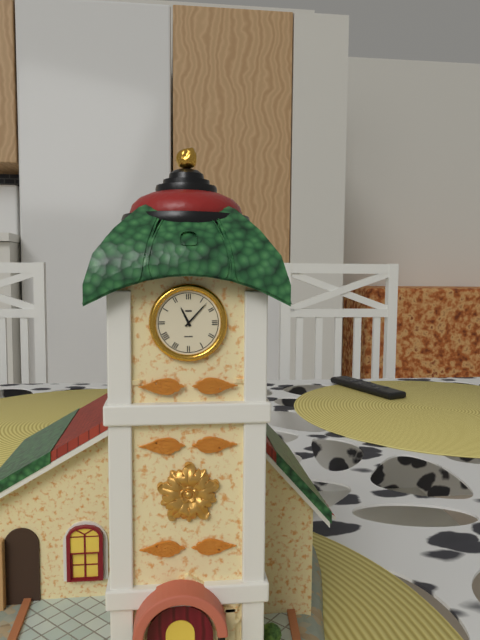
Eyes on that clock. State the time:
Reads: 11:07
